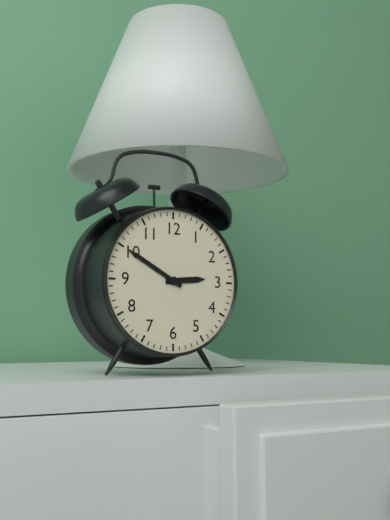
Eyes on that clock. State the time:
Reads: 2:50
